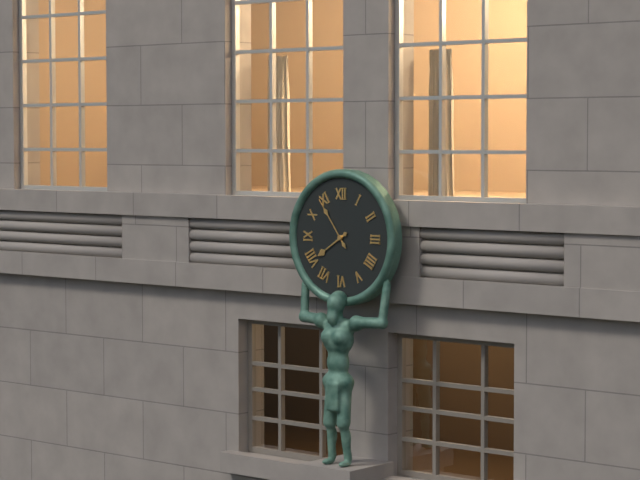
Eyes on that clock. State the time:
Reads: 7:54
